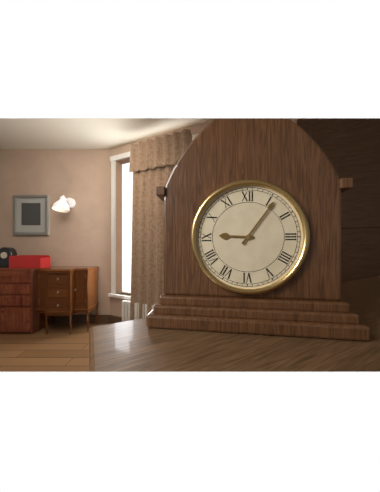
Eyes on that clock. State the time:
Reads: 9:06
